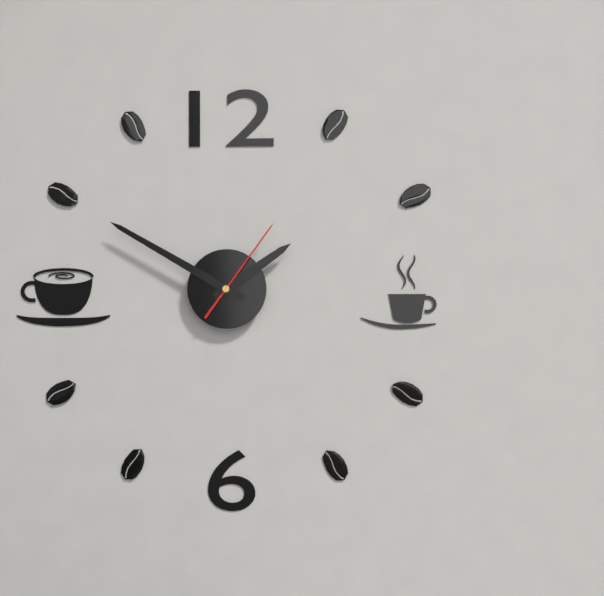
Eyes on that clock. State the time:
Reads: 1:50:06
